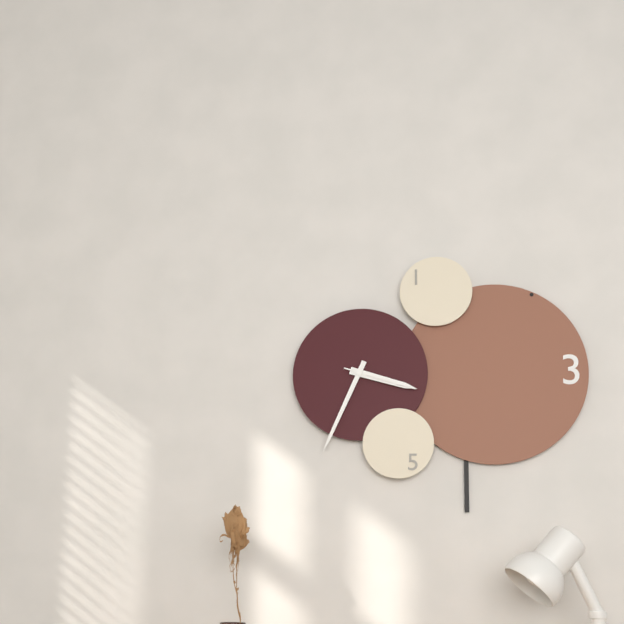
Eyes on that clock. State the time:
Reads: 3:34:18
